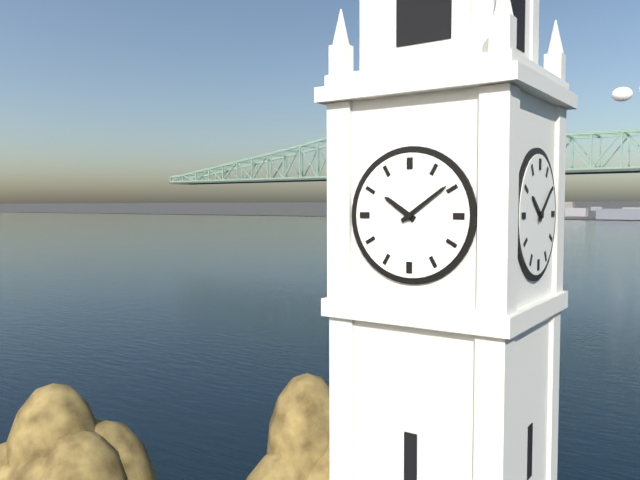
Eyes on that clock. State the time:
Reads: 10:09
